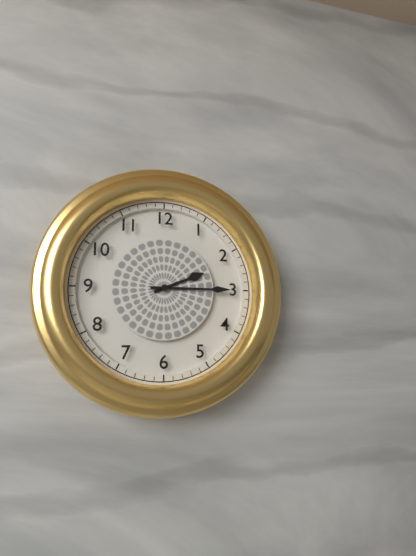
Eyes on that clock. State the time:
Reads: 2:15
